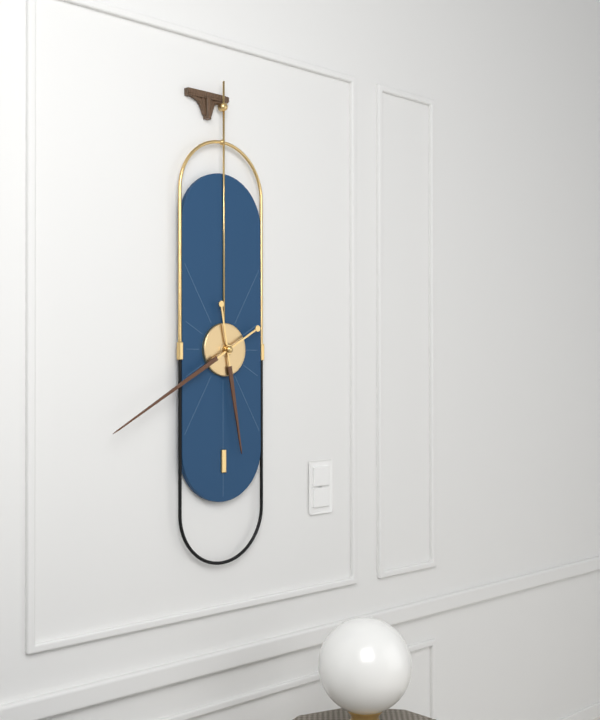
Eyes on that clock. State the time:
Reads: 5:40
